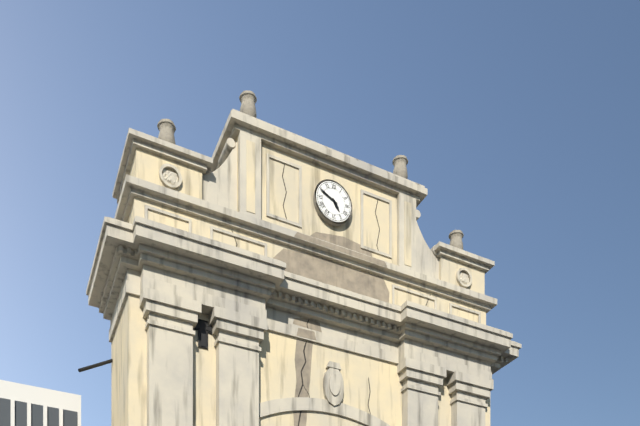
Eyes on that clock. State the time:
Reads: 4:49
